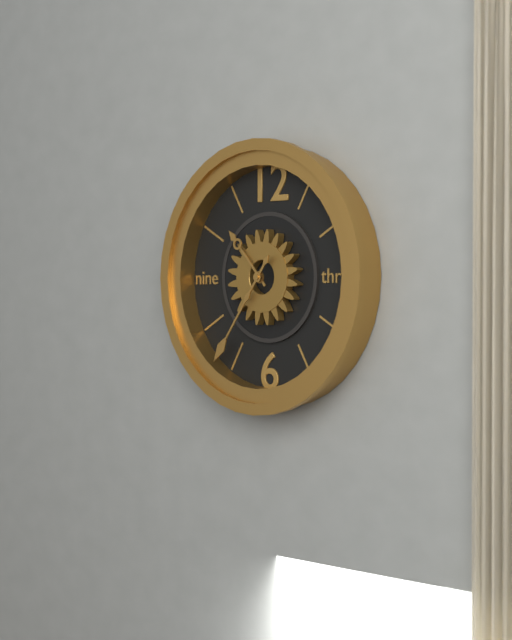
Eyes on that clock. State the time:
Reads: 10:36
